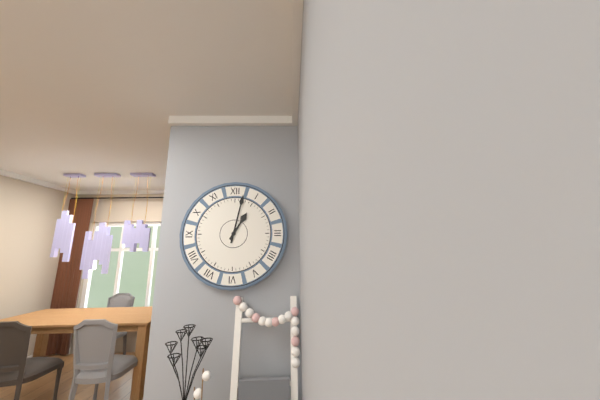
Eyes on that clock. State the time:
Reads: 1:02
